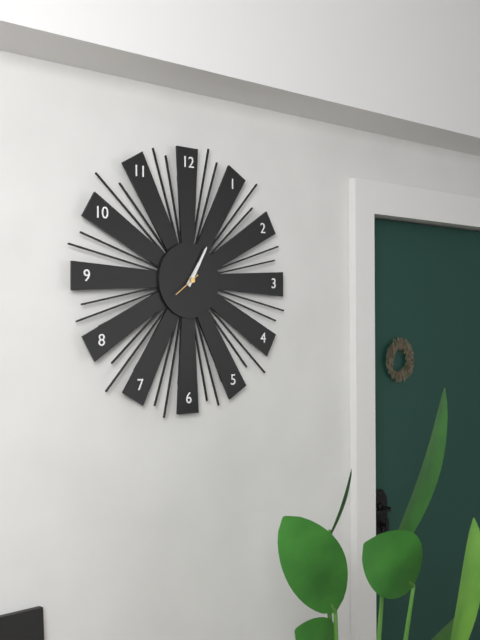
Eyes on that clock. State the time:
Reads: 1:05
